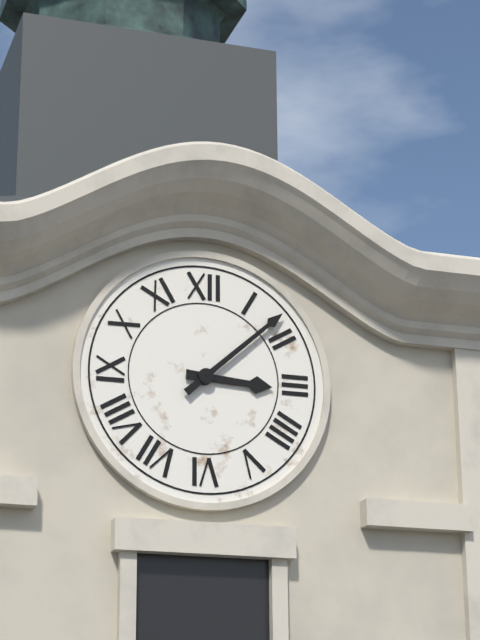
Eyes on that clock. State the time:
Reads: 3:08
